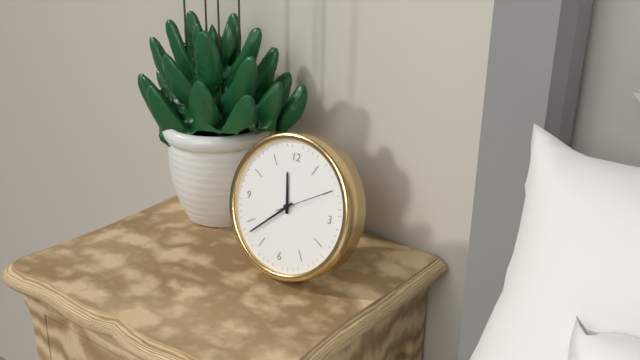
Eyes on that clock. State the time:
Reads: 11:38:10
